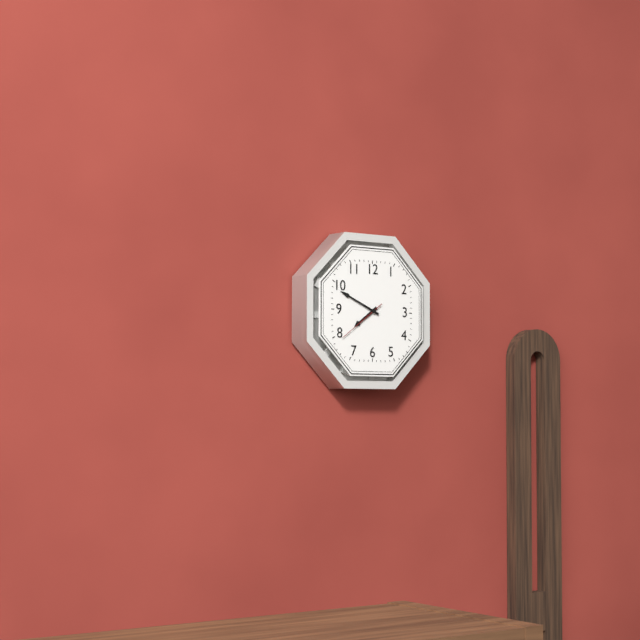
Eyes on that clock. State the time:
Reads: 7:49:39
